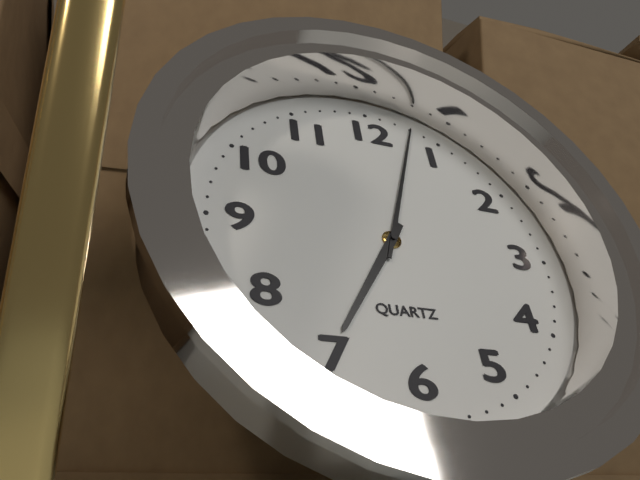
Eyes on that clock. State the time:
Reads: 7:03
